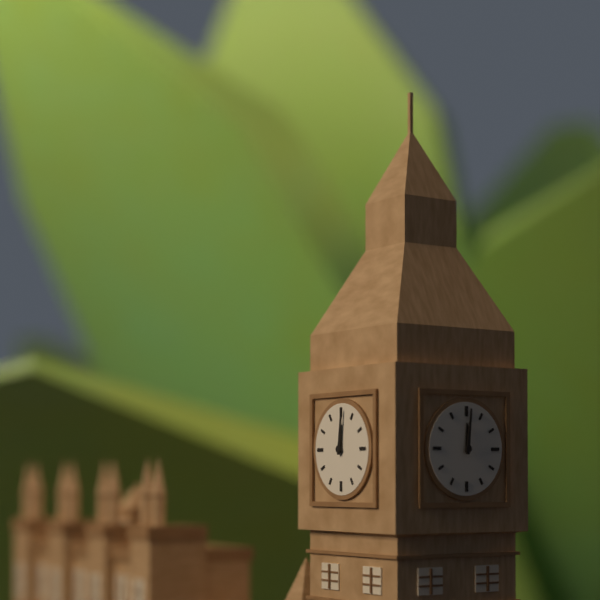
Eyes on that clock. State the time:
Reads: 12:01
